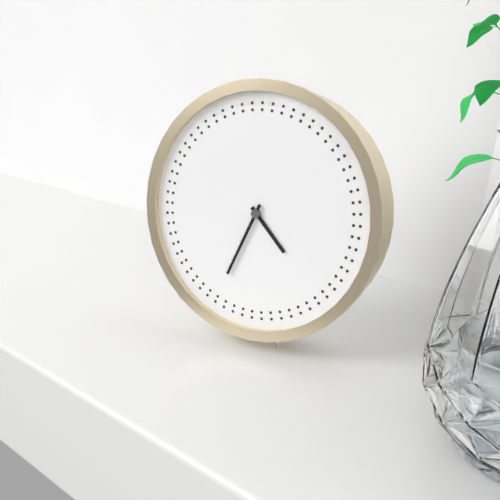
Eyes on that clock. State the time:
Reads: 4:34
